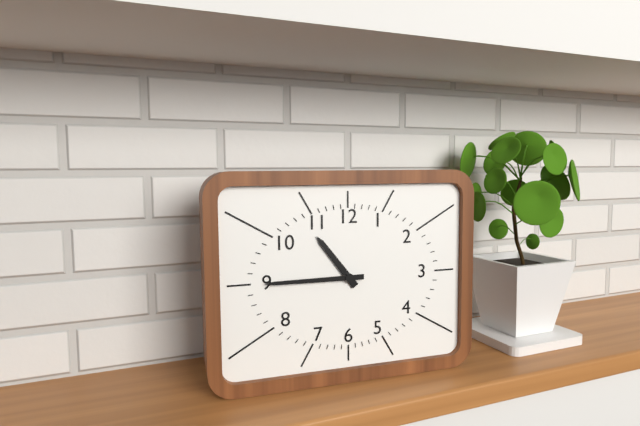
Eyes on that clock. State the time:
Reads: 10:45
